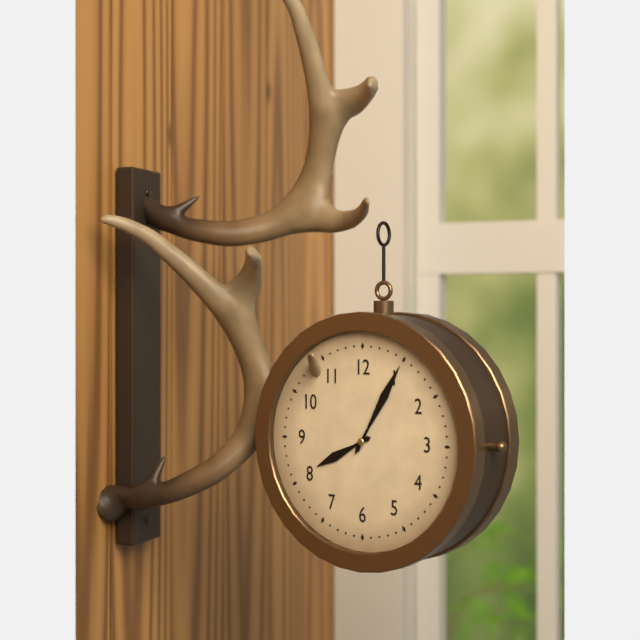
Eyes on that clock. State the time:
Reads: 8:05
